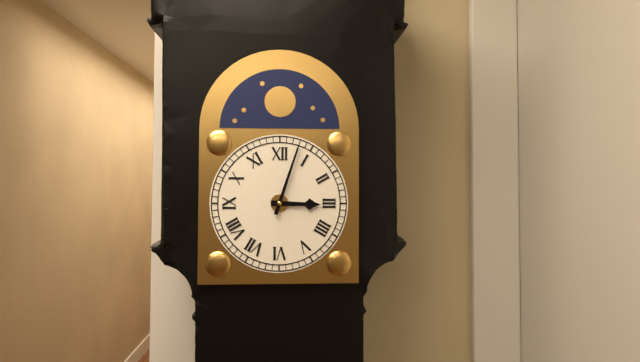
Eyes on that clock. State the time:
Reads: 3:03
